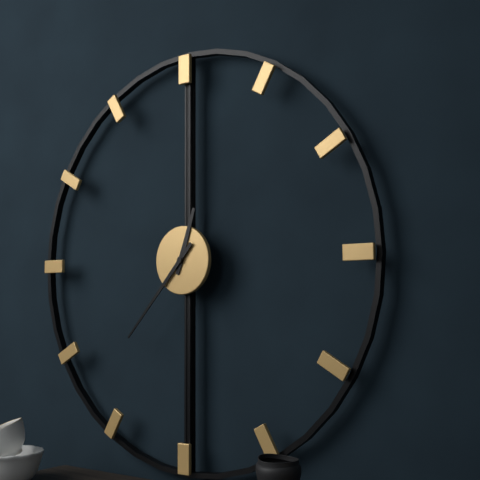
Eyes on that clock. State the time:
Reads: 12:37
